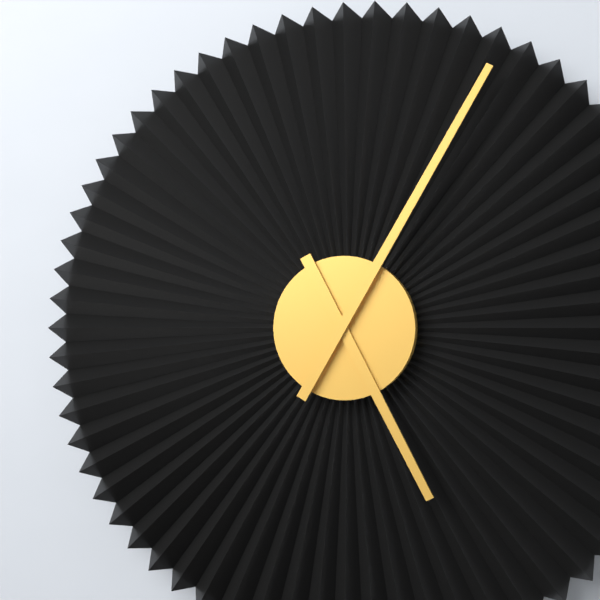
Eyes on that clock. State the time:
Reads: 5:05
